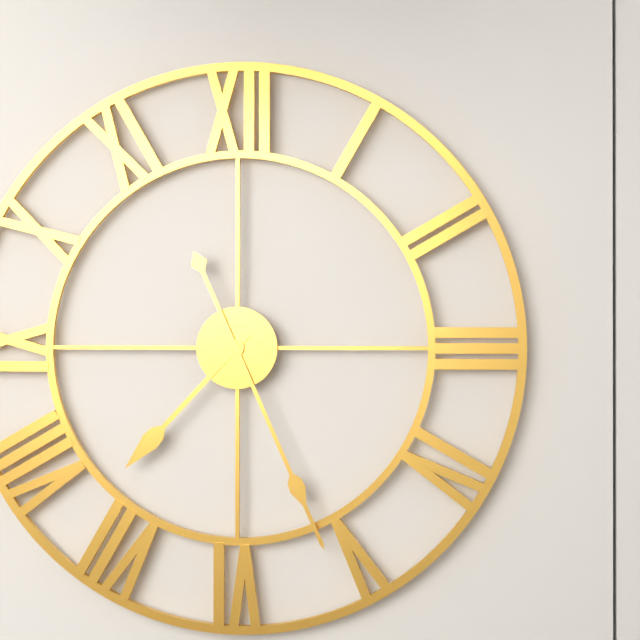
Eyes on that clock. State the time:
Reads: 7:26
